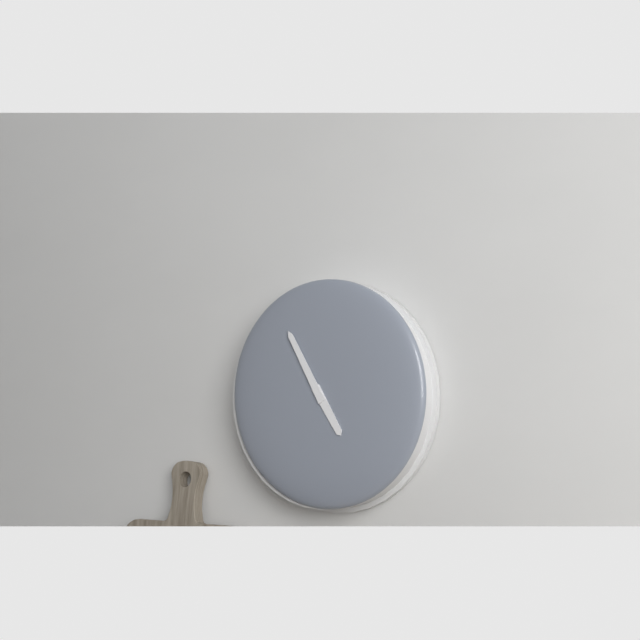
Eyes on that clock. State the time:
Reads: 4:55
